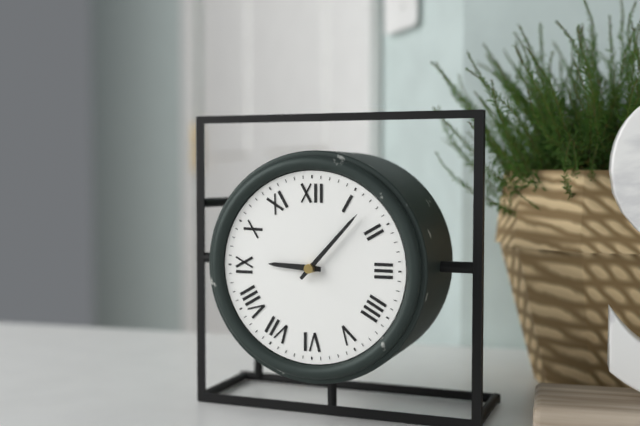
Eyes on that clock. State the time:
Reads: 9:07
